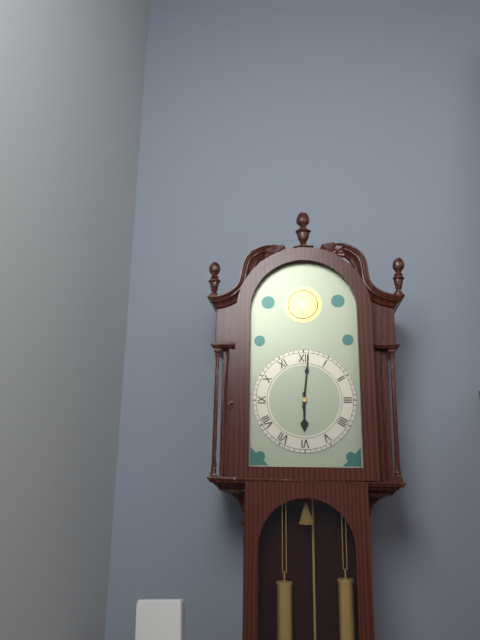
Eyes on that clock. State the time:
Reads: 6:01
